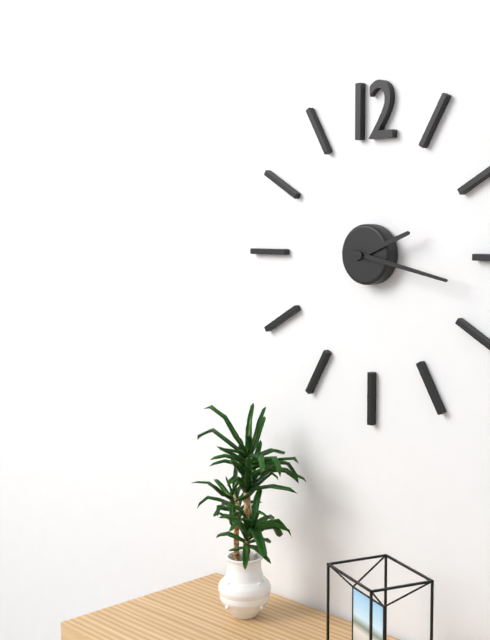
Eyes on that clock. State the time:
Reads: 2:17
